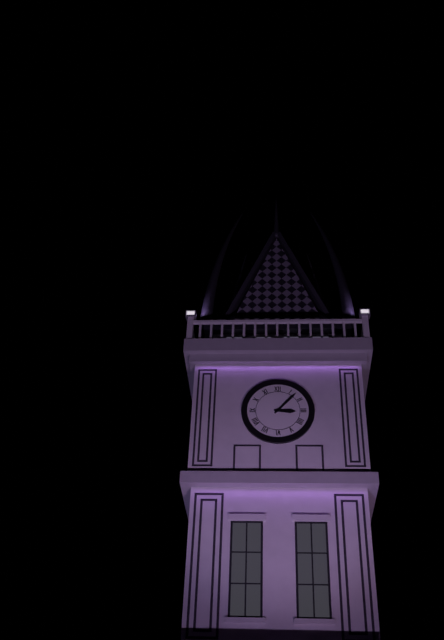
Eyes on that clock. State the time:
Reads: 3:07
